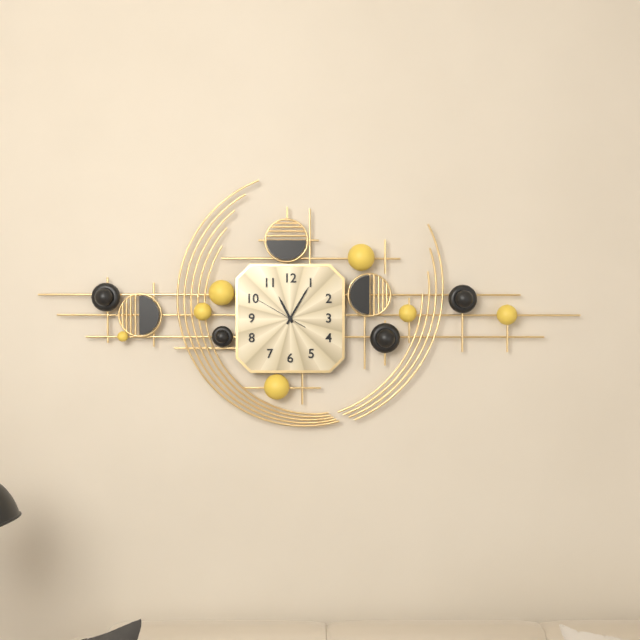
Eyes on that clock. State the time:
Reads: 11:05
